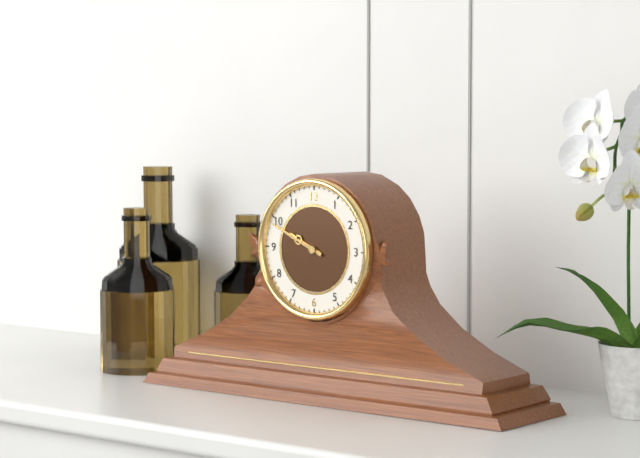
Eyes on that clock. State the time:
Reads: 9:49
